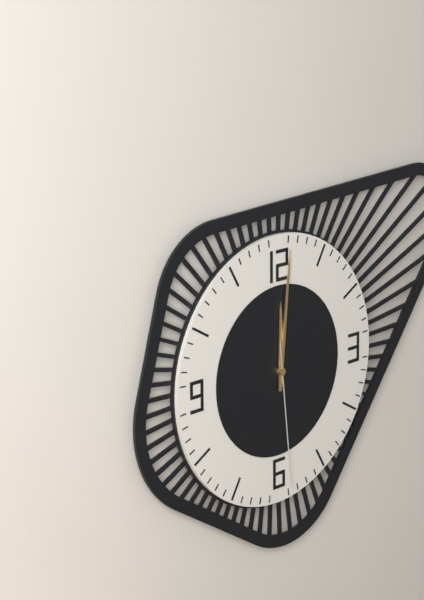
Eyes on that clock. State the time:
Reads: 12:01:29
